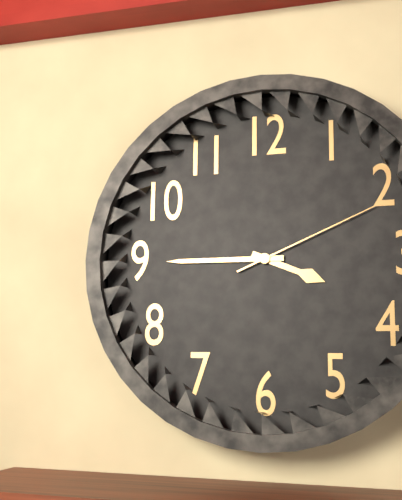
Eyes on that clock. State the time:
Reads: 3:45:11
